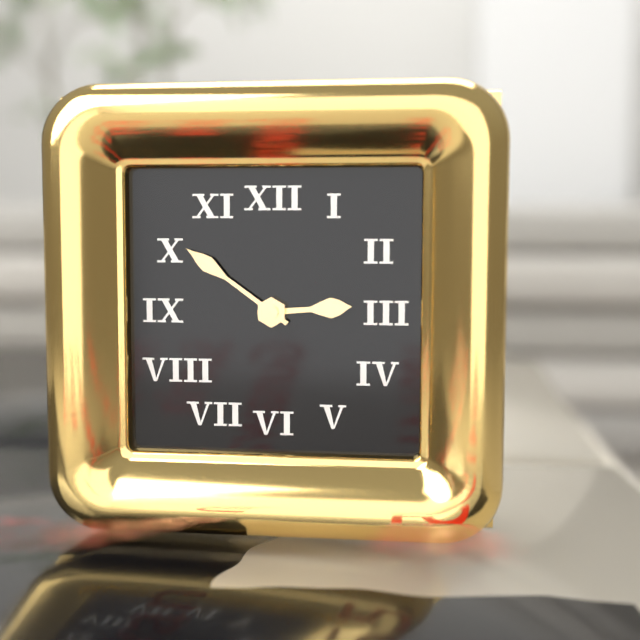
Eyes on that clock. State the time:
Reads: 2:51
